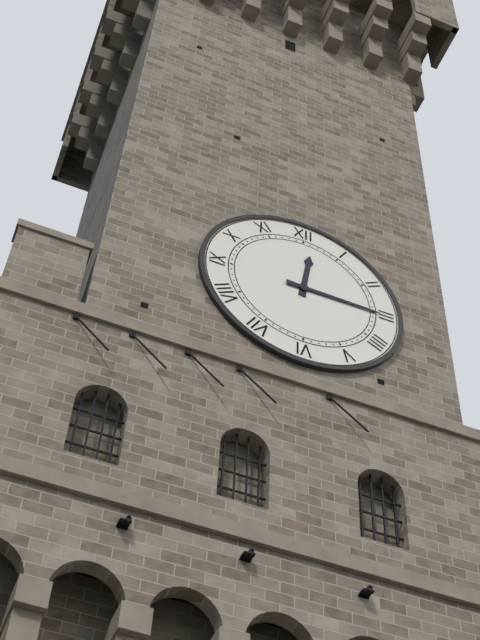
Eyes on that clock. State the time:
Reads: 12:15
